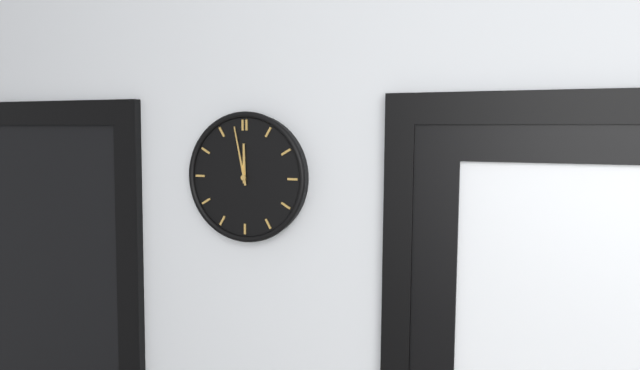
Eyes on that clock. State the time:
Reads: 11:58
